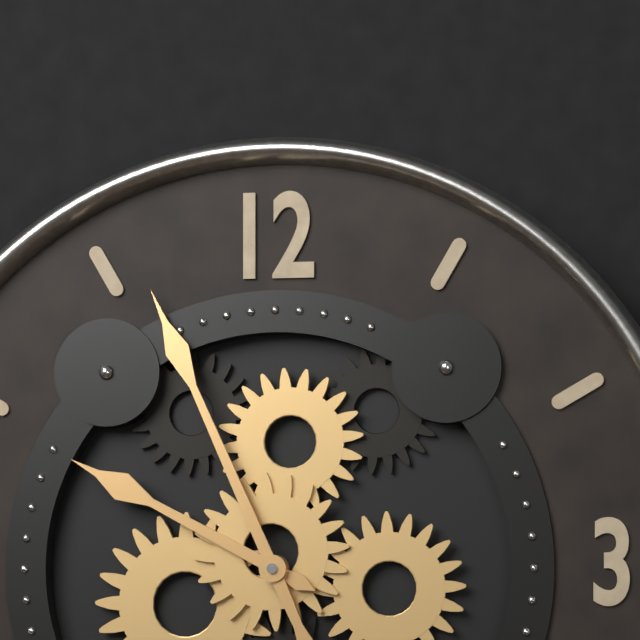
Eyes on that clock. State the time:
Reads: 9:56
